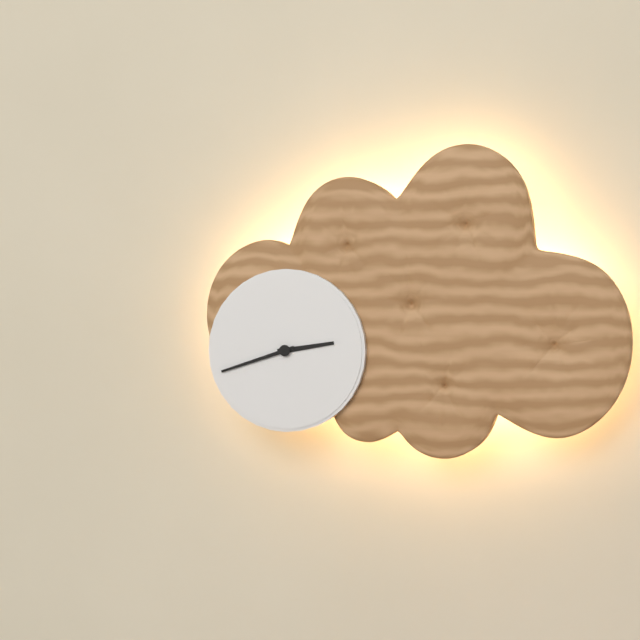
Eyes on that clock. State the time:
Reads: 2:42
